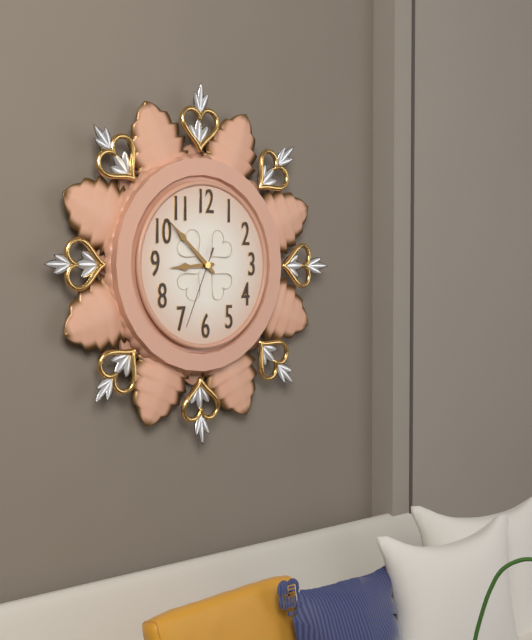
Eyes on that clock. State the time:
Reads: 8:52:34
